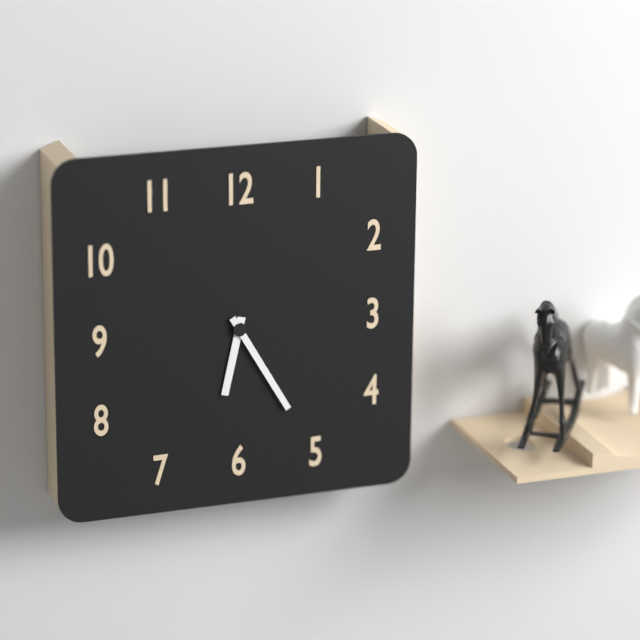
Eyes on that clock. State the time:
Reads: 6:25
